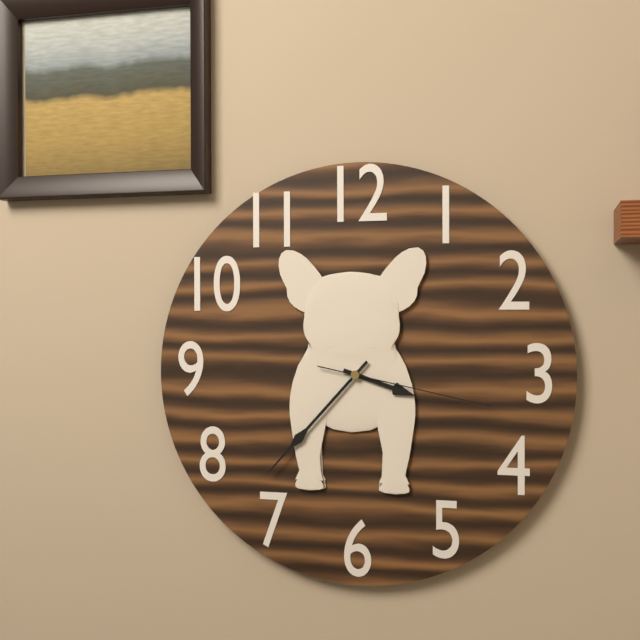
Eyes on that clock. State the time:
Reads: 3:37:17
